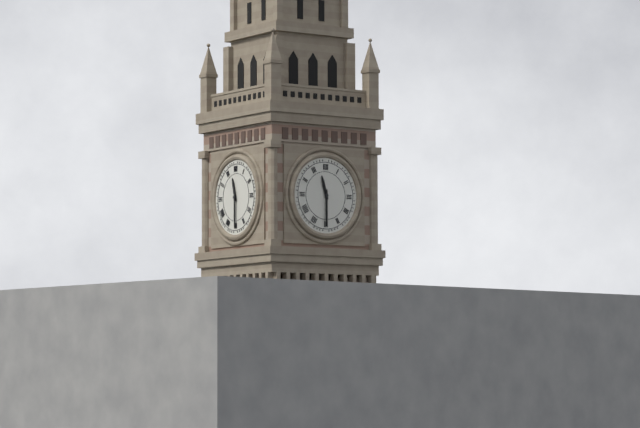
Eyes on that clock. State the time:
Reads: 11:30
